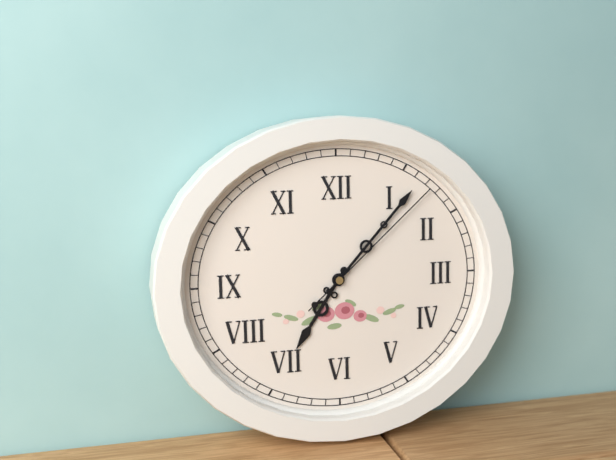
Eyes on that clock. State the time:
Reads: 7:07:08
